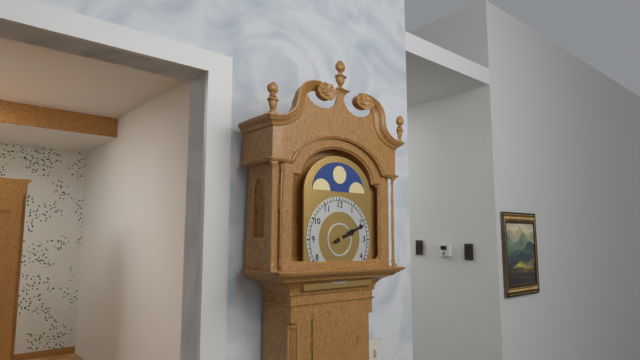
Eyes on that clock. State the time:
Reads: 2:11
